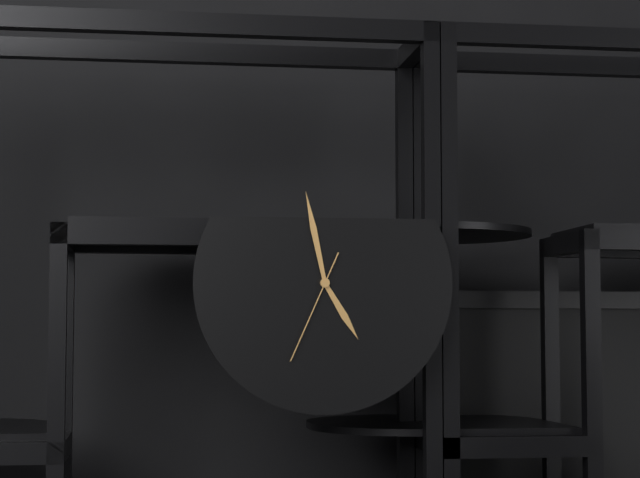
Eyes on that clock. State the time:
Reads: 4:58:34
